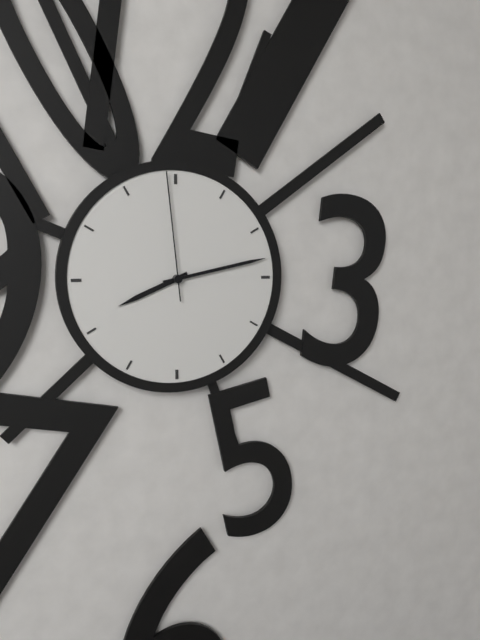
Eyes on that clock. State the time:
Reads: 8:13:59
